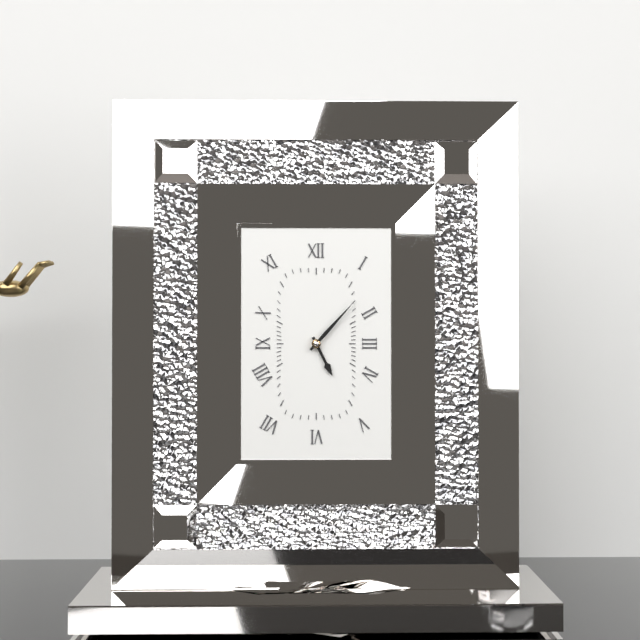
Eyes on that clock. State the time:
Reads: 5:07
